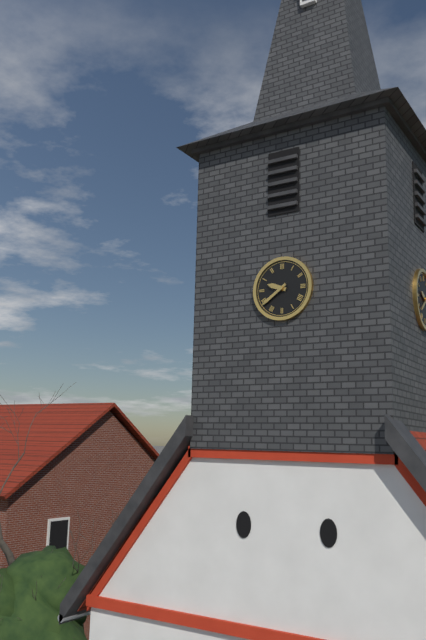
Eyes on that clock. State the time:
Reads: 9:39
